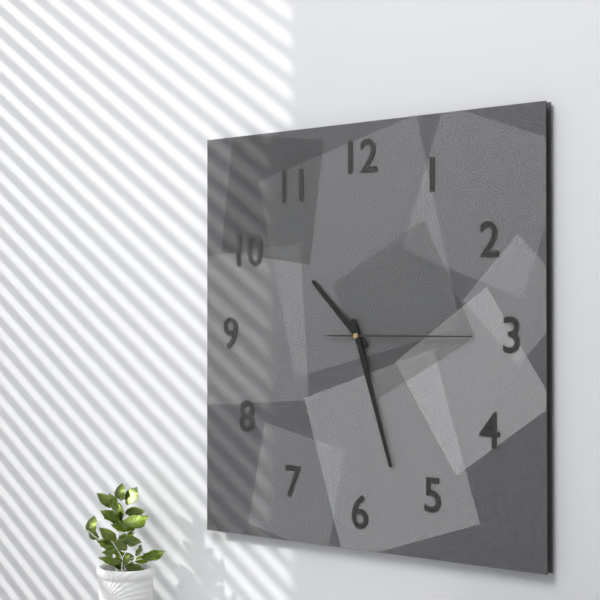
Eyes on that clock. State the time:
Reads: 10:27:15
